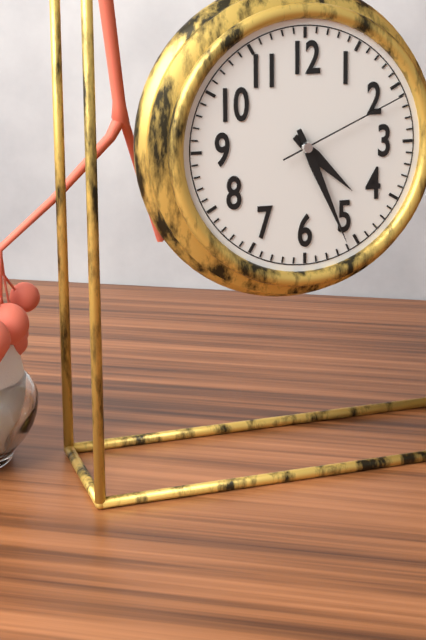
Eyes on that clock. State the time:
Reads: 4:26:11
